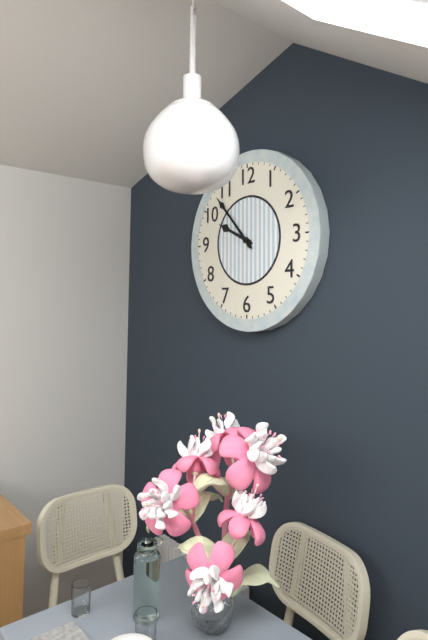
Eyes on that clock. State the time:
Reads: 9:53
